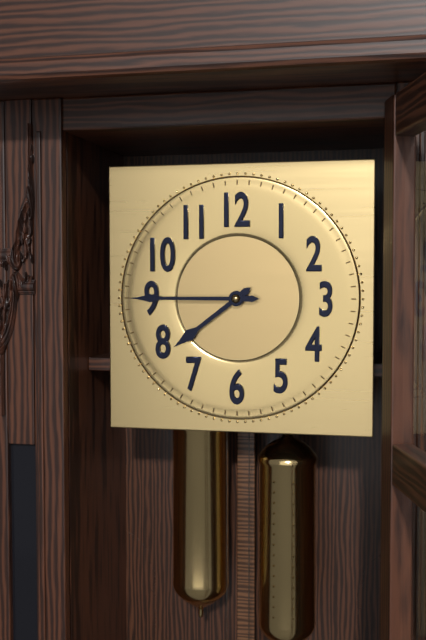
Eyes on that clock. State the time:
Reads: 7:45
